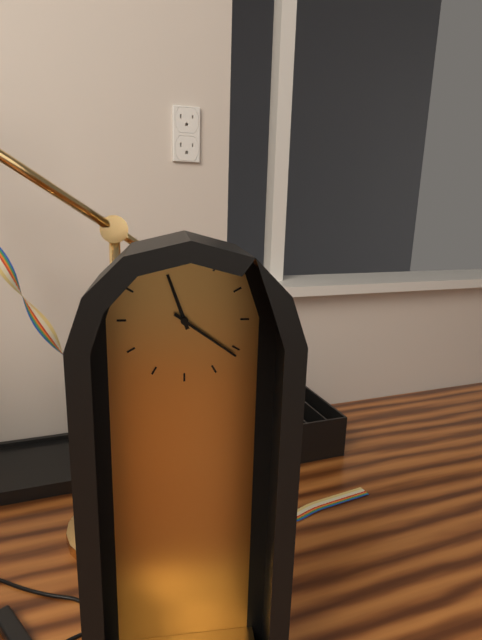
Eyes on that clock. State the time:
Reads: 11:21
